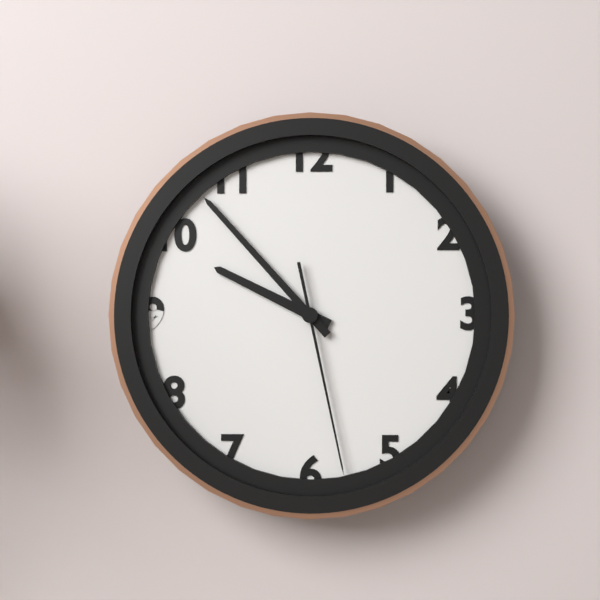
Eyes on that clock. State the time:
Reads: 9:53:28
